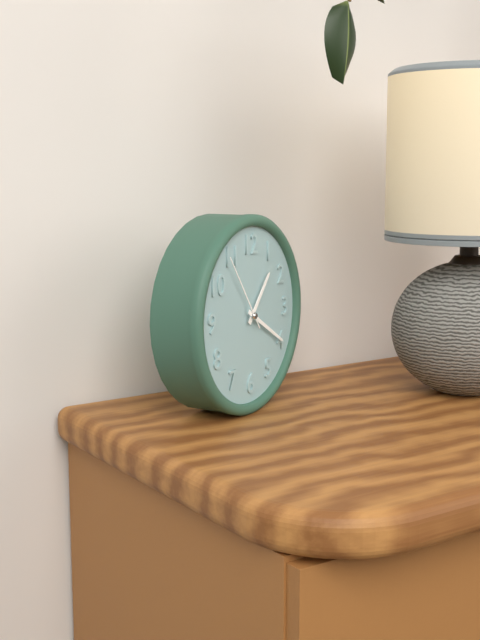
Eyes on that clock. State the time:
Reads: 1:20:54
